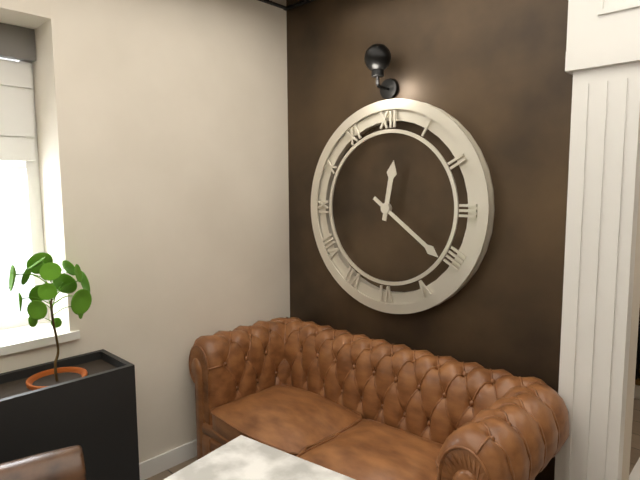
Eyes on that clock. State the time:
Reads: 12:21
